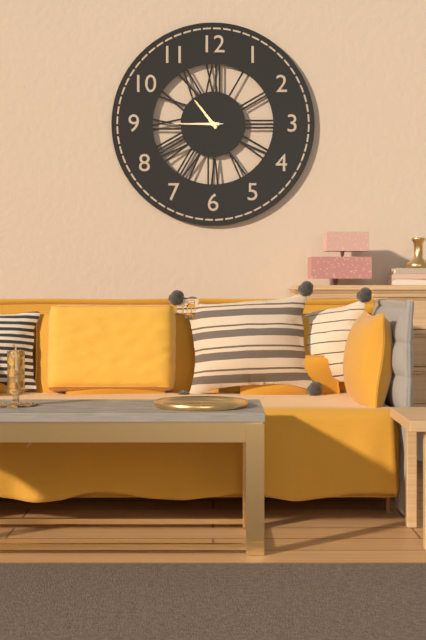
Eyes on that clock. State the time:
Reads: 10:45
